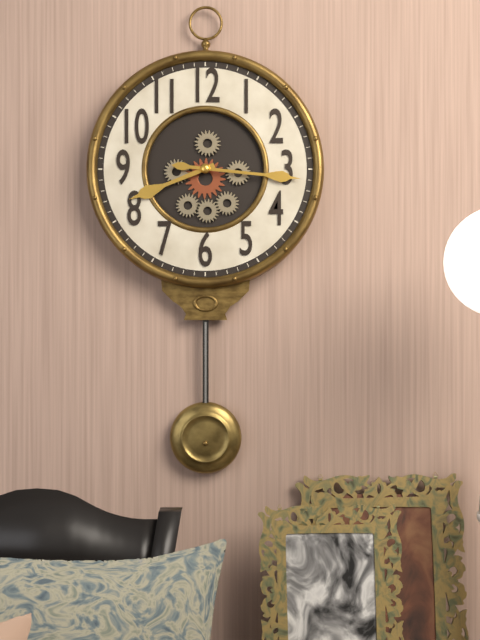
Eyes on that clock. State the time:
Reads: 8:16
